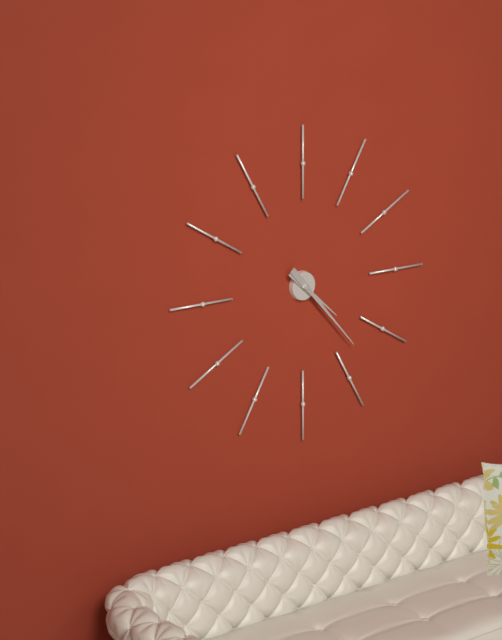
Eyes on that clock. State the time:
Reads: 4:23
